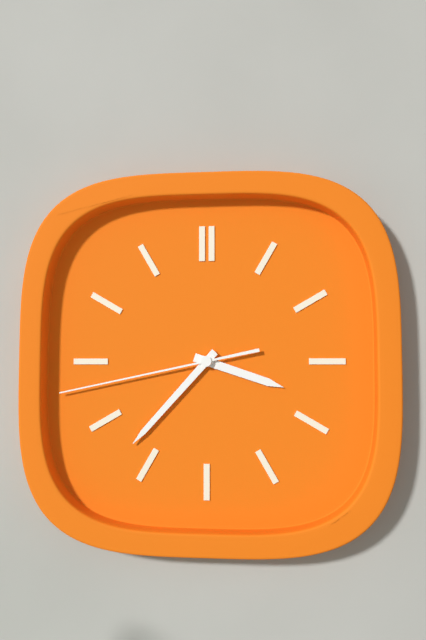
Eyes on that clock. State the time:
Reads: 3:37:43
